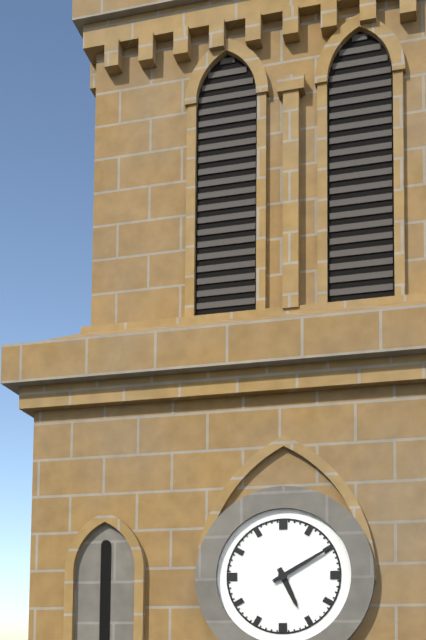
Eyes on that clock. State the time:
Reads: 5:10
